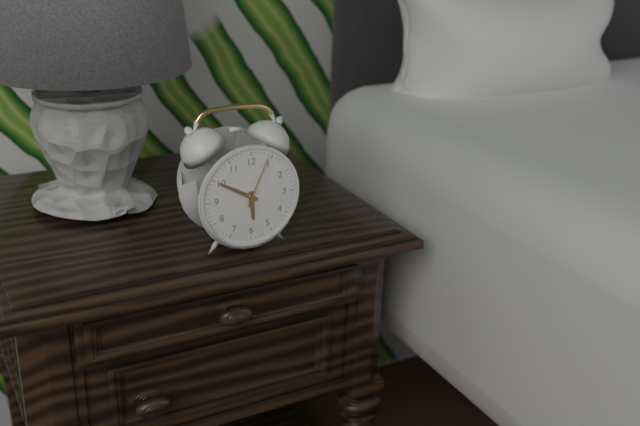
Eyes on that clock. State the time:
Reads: 5:50:04
